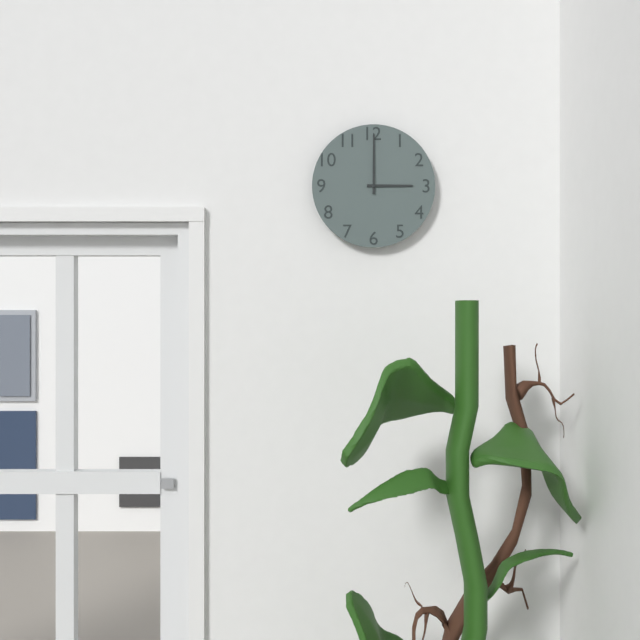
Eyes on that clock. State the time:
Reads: 3:00
